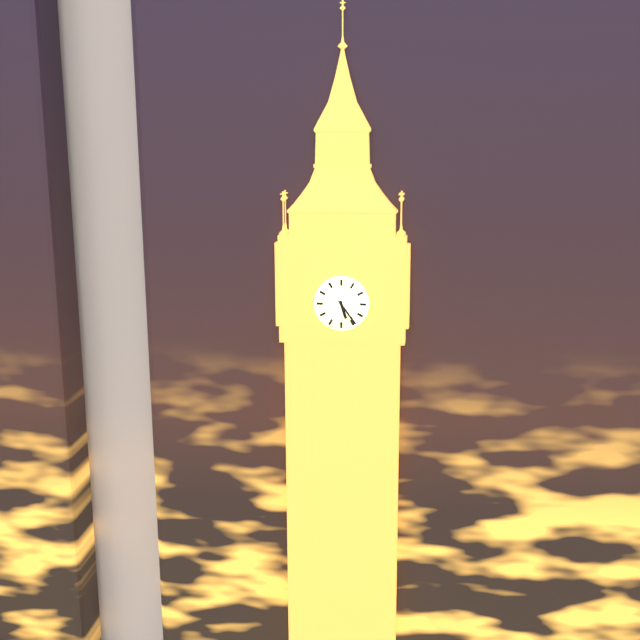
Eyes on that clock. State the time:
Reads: 5:24
